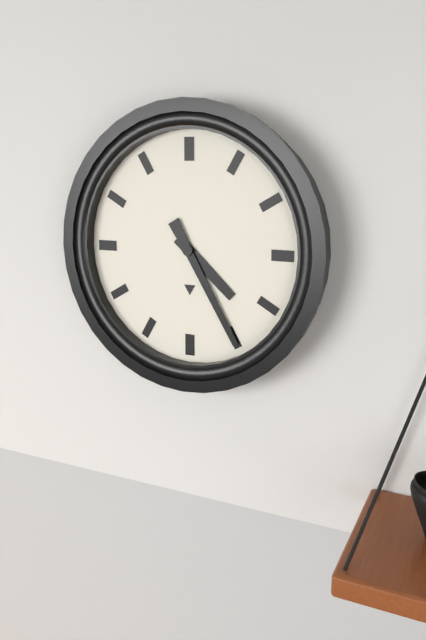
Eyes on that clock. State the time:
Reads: 4:25
